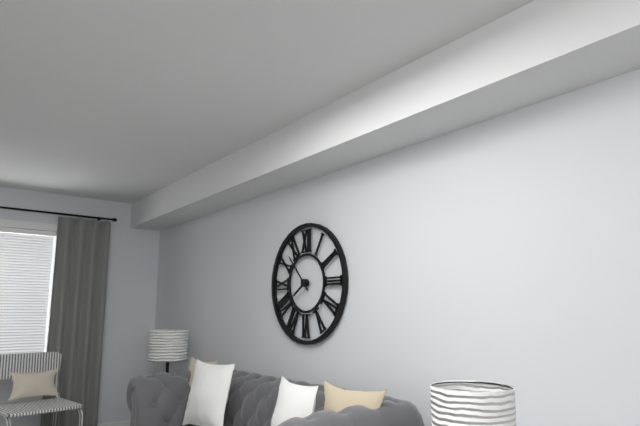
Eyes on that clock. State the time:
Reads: 7:53
